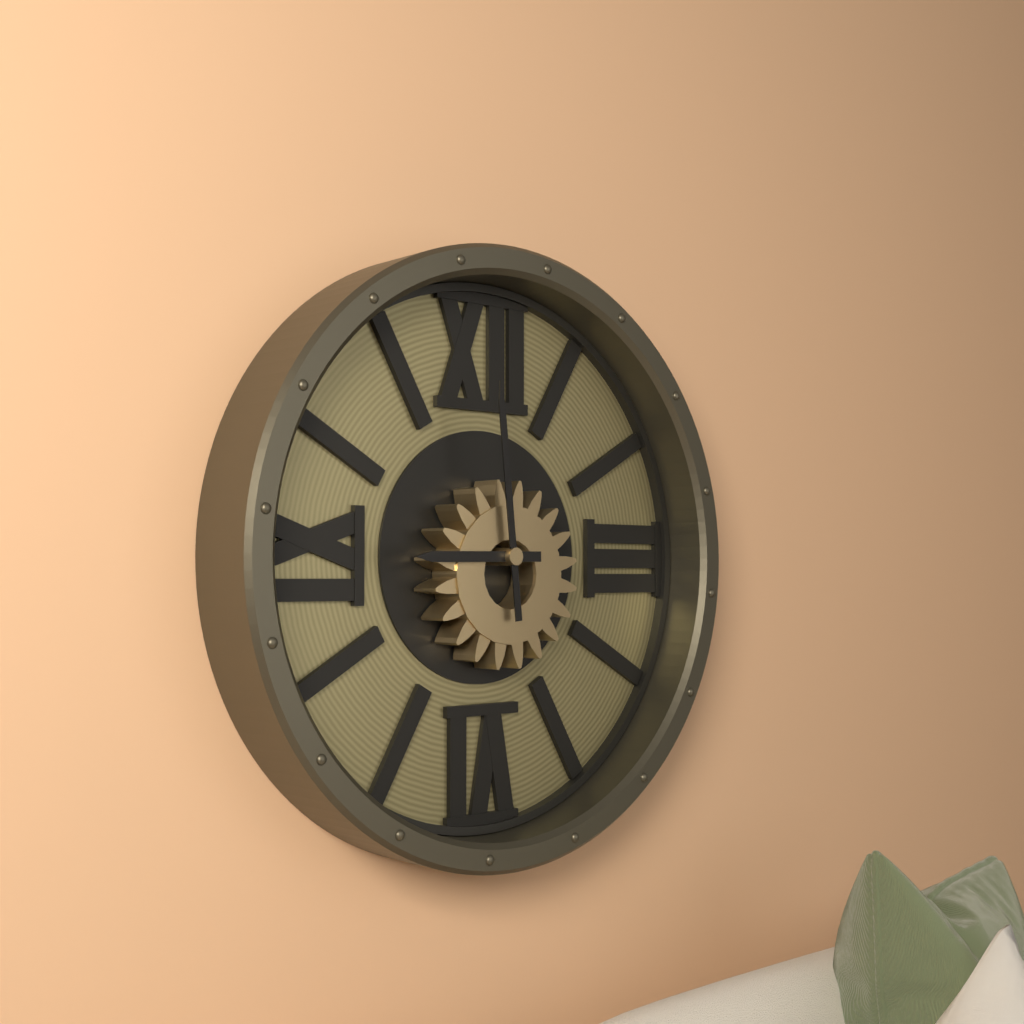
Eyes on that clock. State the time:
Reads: 8:59
